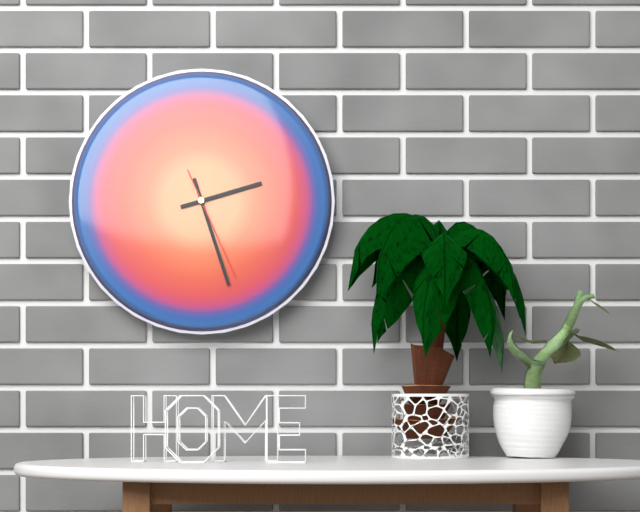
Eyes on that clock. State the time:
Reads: 2:27:26
